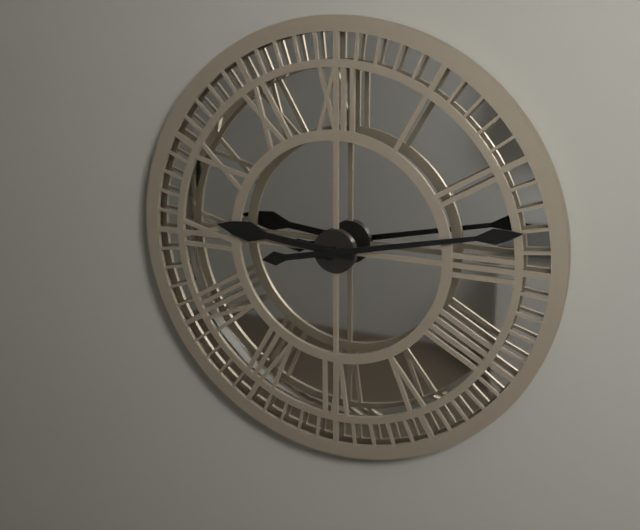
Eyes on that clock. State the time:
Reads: 9:13
